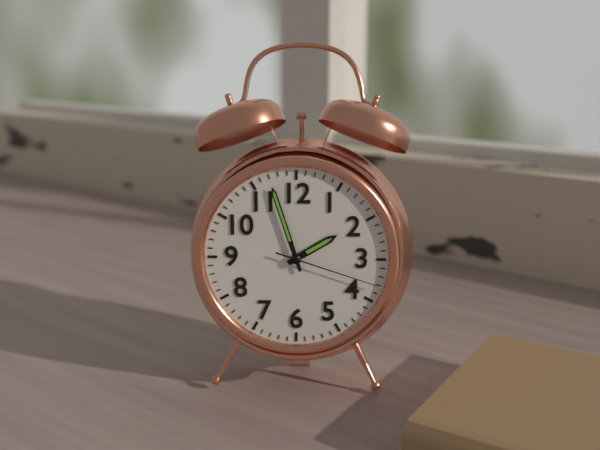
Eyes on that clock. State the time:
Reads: 1:57:18
